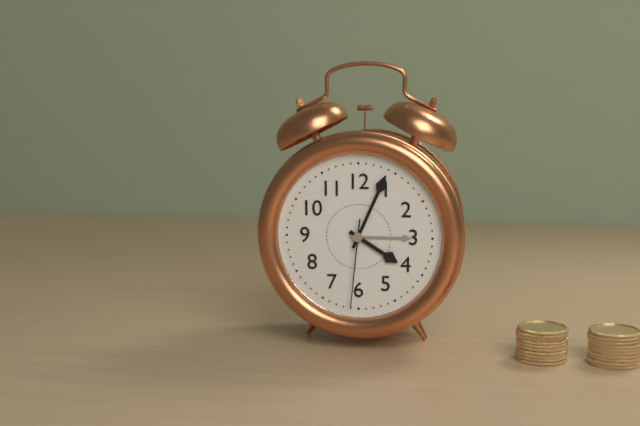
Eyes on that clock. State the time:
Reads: 4:04:31
